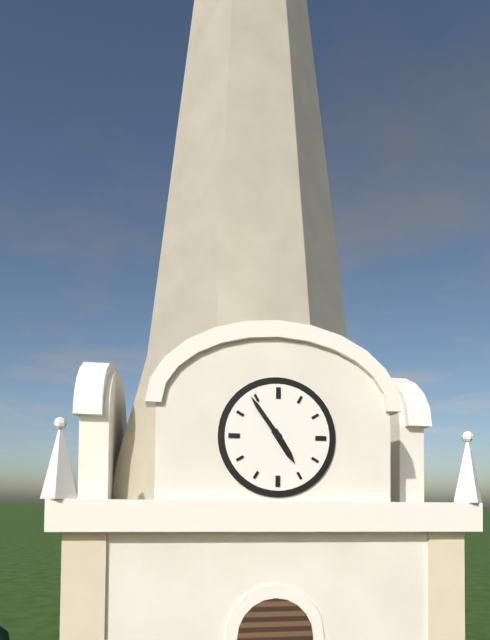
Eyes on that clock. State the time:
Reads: 4:54
